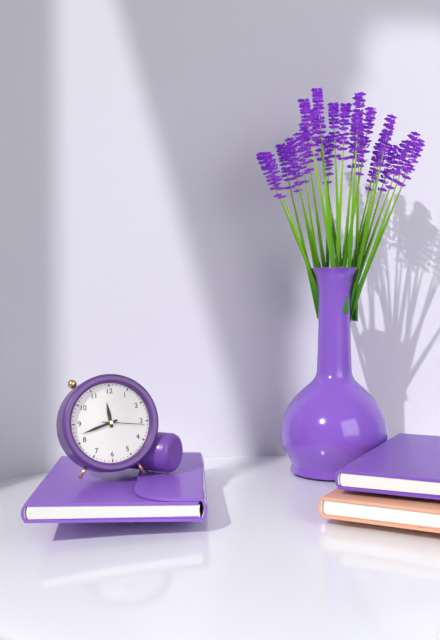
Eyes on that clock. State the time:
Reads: 11:42
